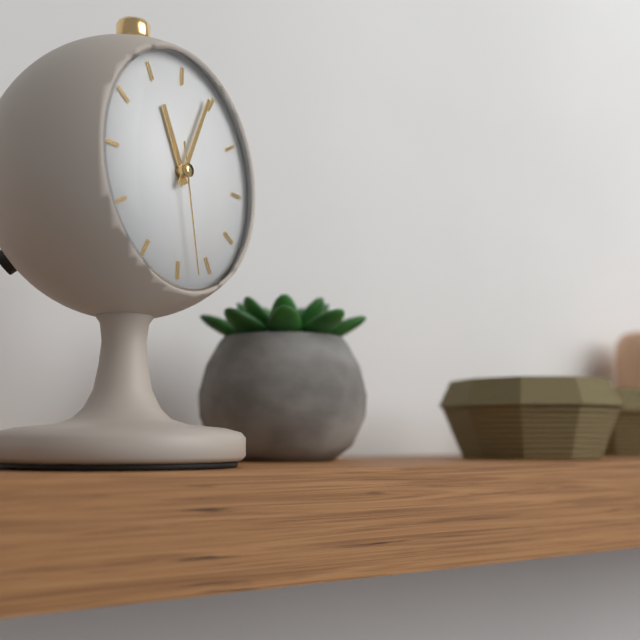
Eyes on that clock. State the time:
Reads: 11:04:28
